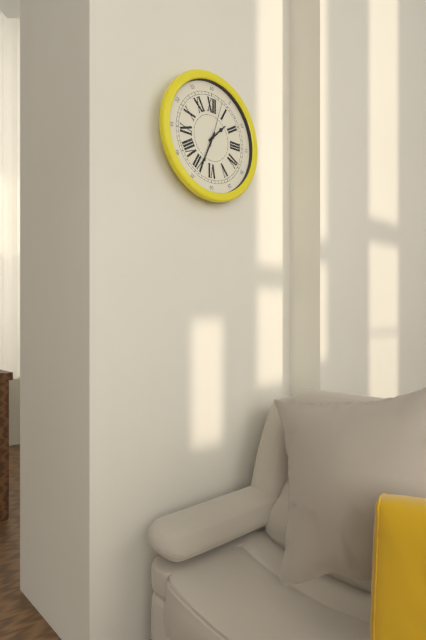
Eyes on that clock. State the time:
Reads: 1:34
